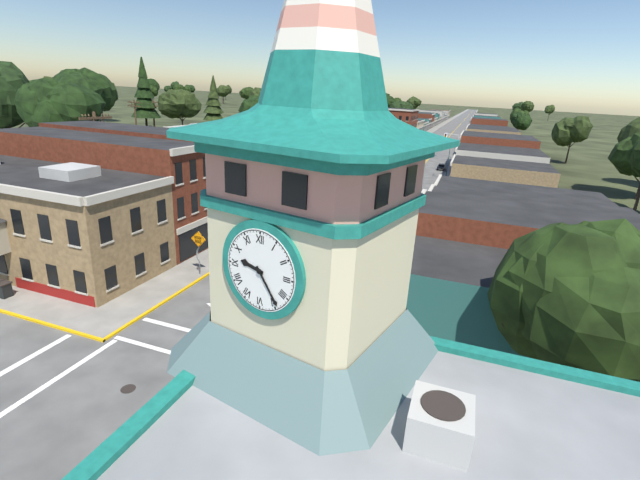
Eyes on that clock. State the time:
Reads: 9:24
